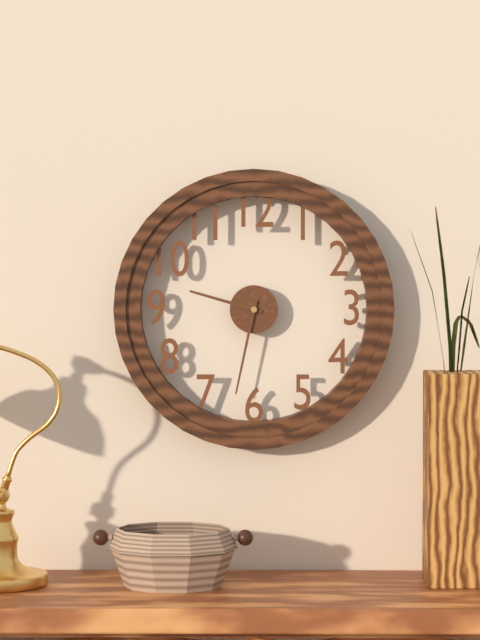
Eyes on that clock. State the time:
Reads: 9:32
